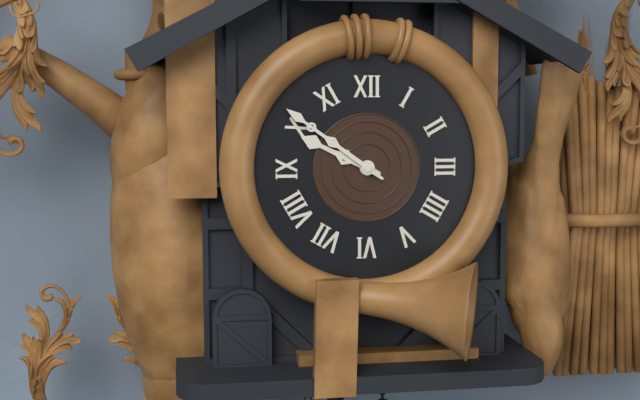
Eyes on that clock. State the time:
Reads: 9:51
